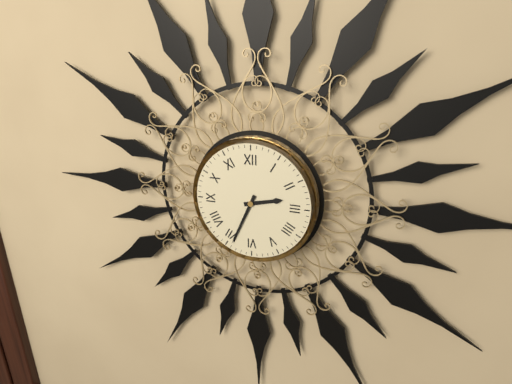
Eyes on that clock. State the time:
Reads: 2:34
